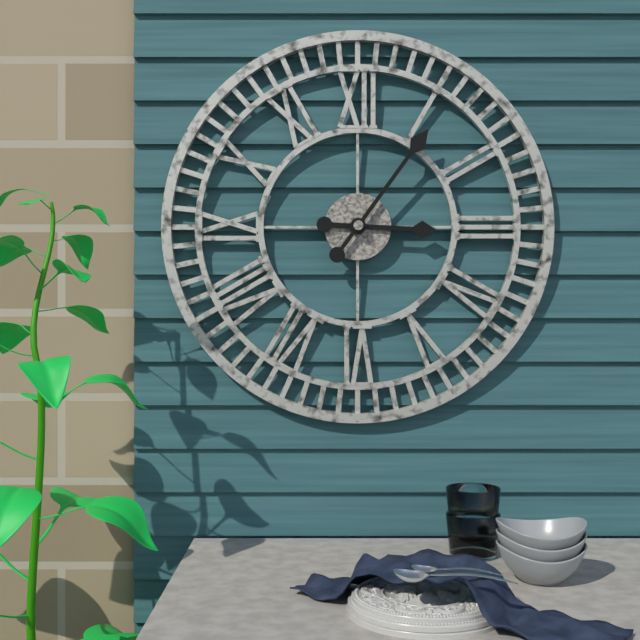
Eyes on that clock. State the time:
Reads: 3:06
